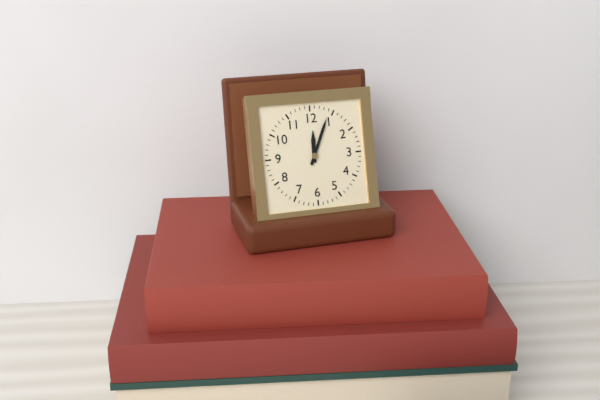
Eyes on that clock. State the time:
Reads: 12:04
